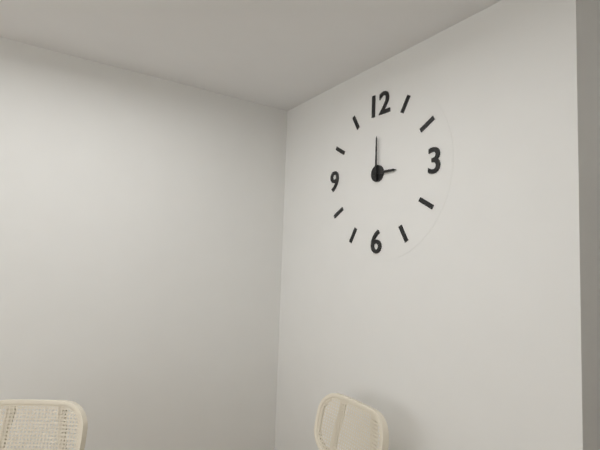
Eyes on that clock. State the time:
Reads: 3:00
